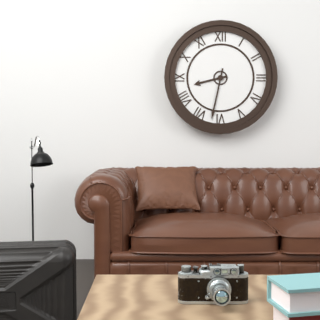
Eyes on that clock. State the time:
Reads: 8:32
